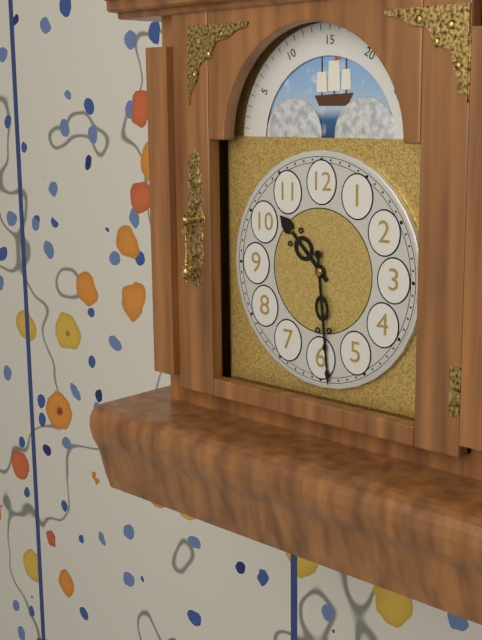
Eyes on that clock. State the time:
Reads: 10:29
